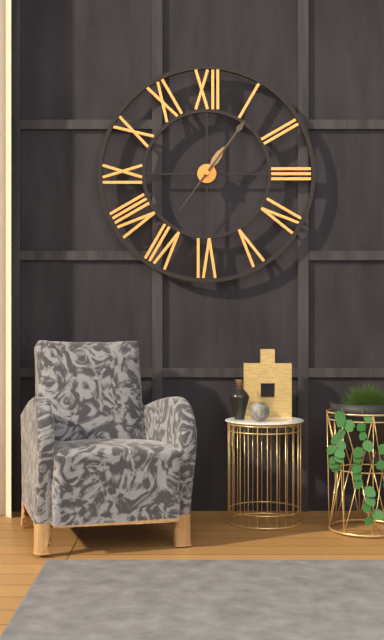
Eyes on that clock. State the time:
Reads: 1:06:36
